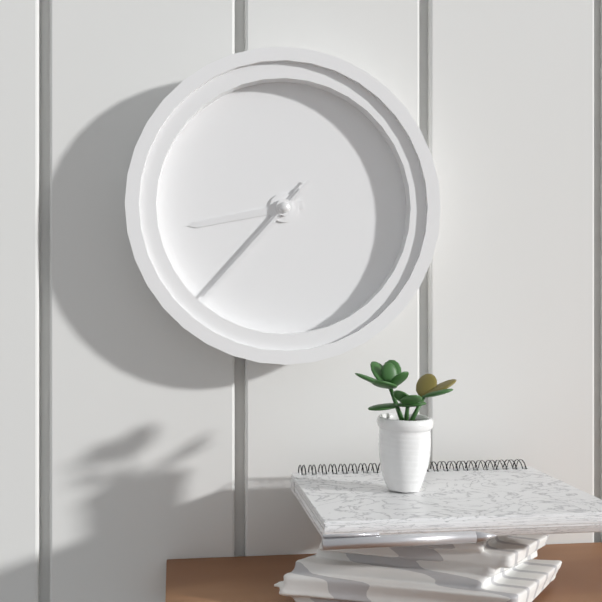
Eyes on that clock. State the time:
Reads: 8:37:37
